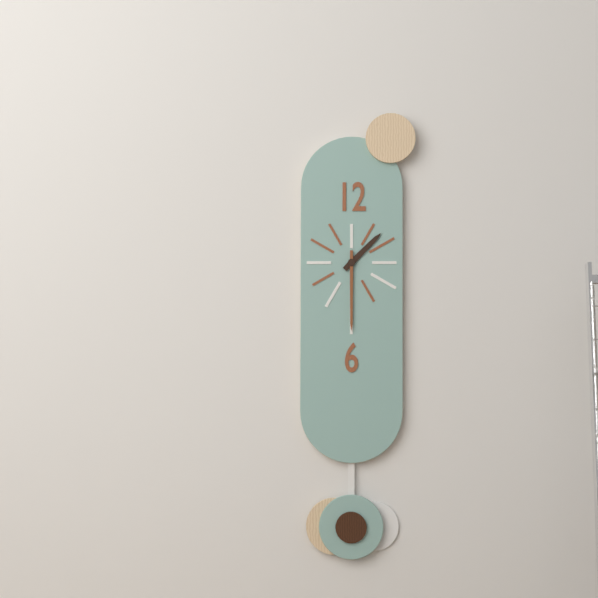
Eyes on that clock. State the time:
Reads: 1:30
